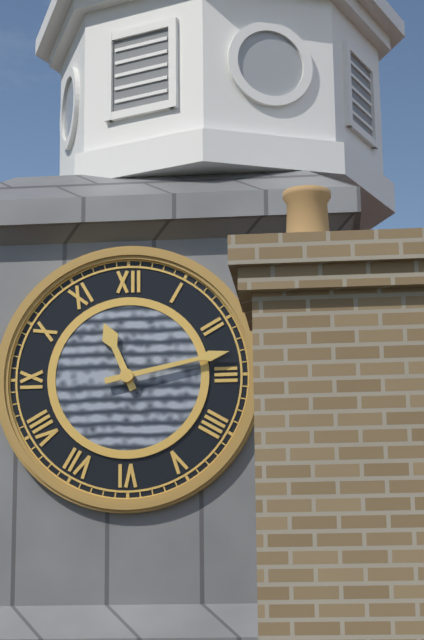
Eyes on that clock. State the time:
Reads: 11:13
